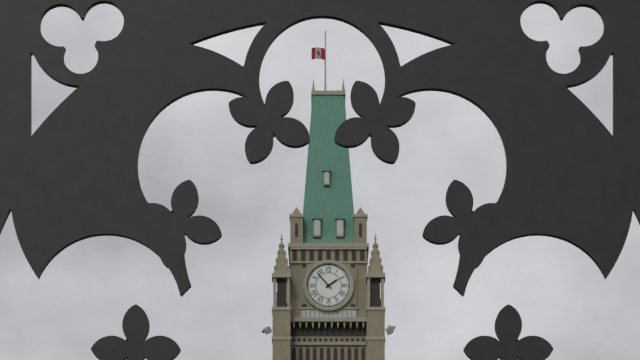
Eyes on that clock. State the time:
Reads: 1:53
